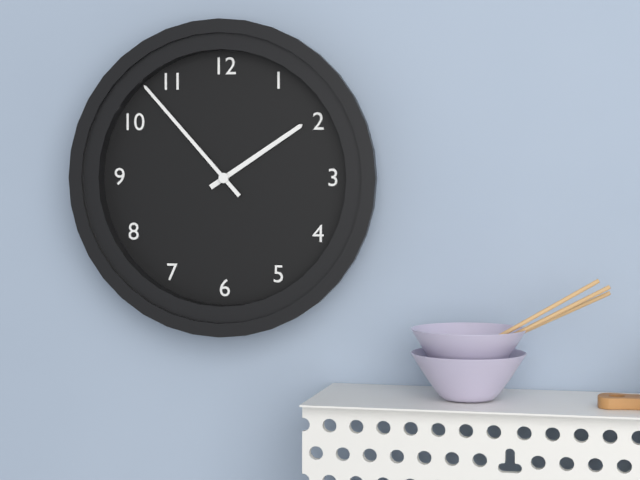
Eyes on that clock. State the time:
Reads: 1:53
